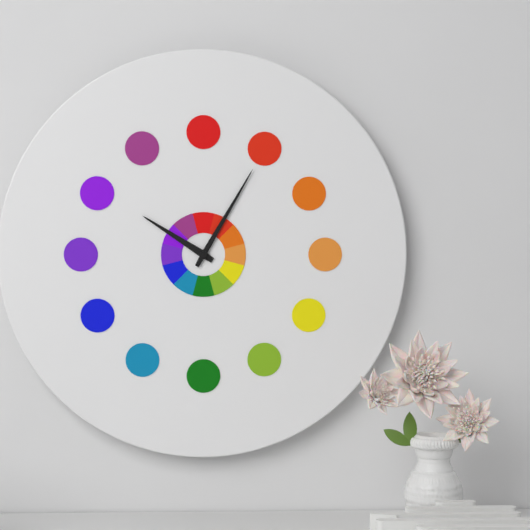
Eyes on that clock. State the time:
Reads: 10:05
